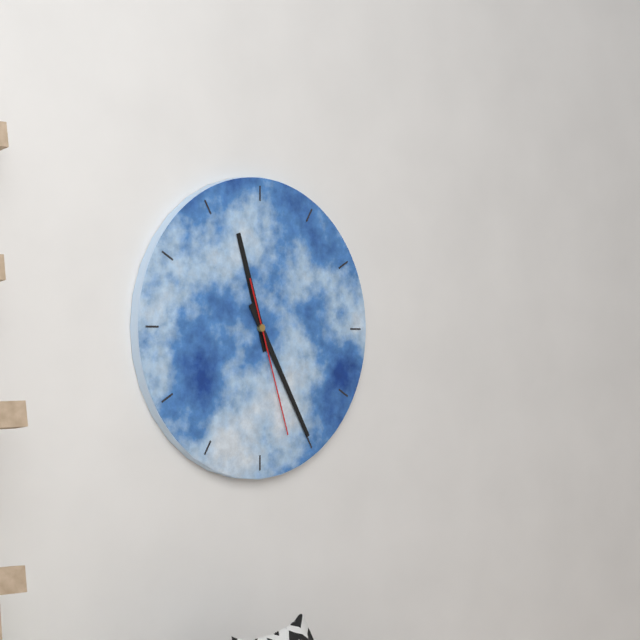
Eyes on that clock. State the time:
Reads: 11:25:27
